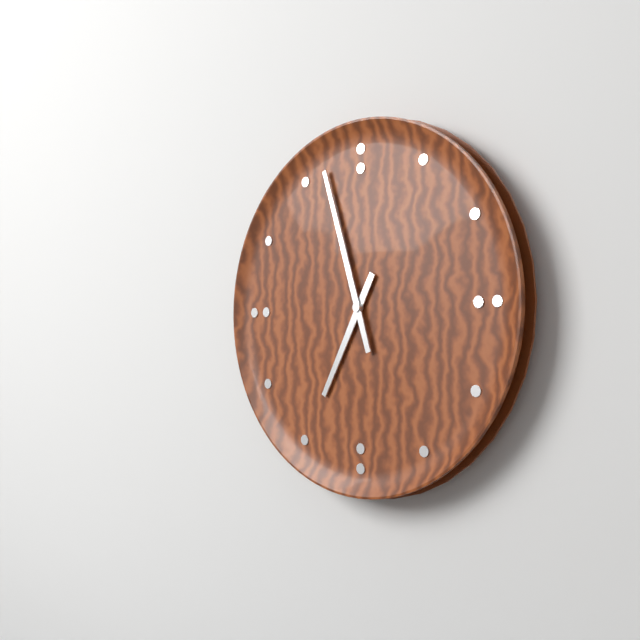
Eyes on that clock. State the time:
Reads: 6:57
